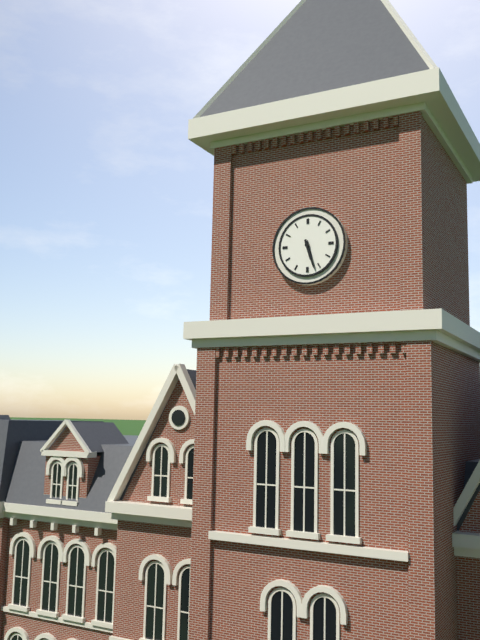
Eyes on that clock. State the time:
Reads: 5:27
